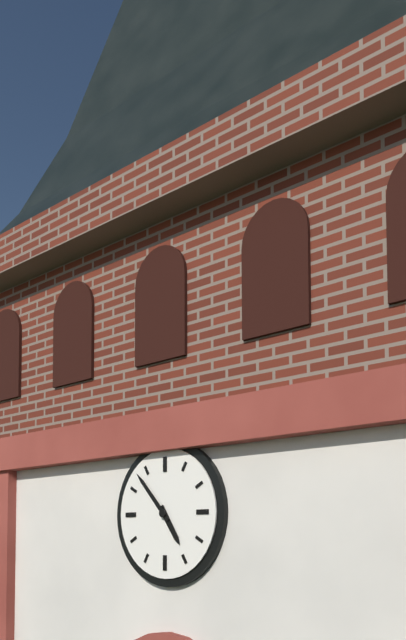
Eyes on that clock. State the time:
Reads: 4:53
